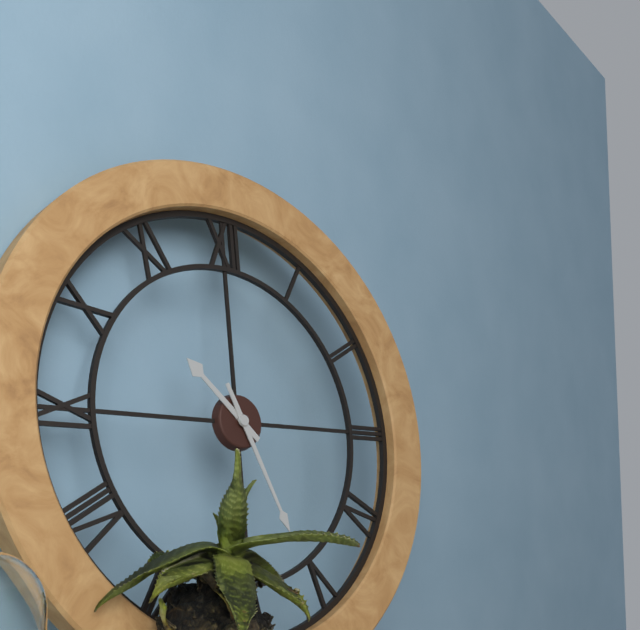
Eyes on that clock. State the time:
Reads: 10:26
